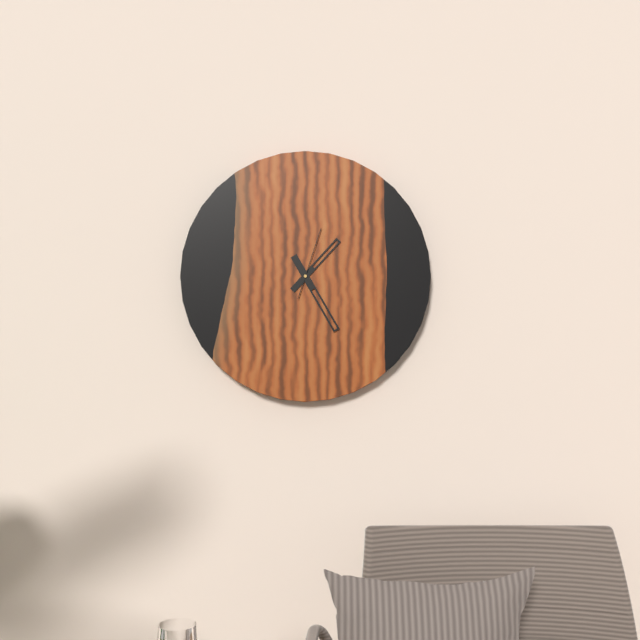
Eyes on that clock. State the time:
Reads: 1:25:03
